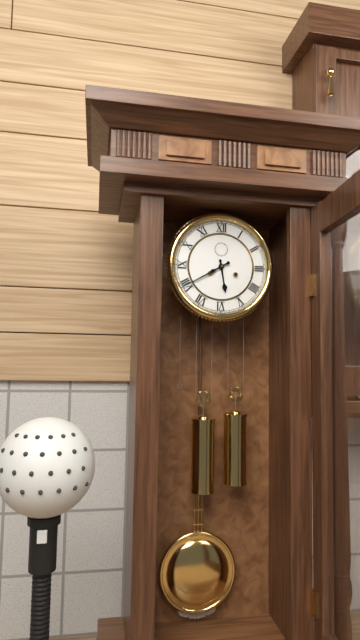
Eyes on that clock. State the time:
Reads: 5:40
